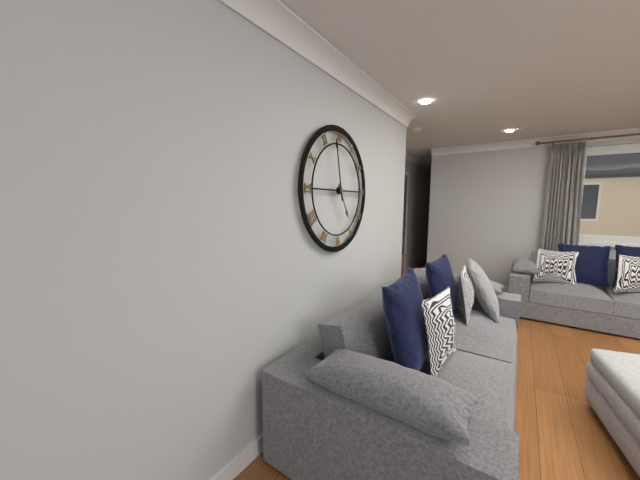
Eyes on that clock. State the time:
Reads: 4:58
